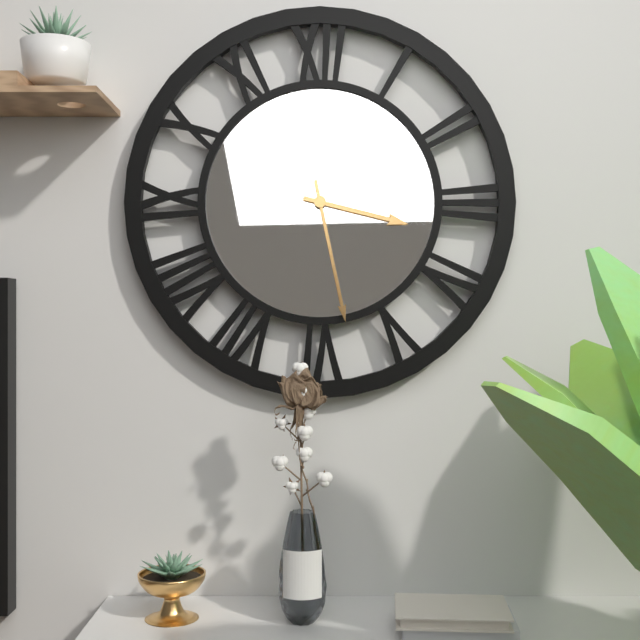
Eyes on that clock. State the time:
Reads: 3:28
